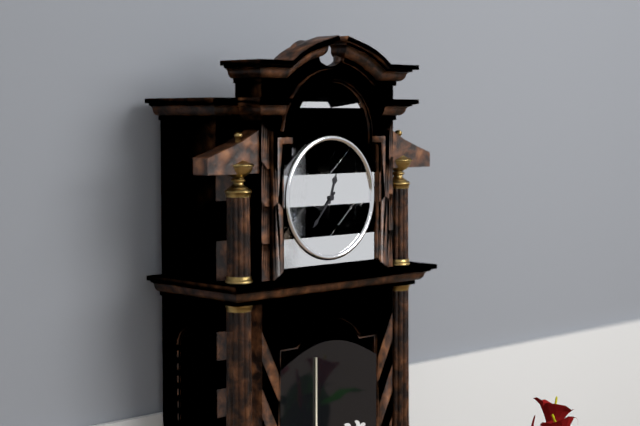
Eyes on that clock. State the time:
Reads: 12:37
